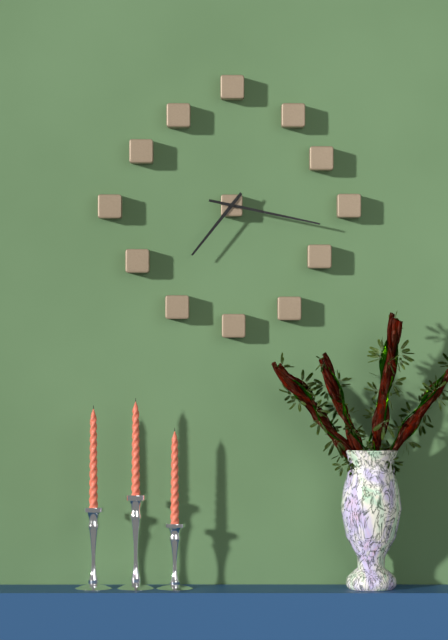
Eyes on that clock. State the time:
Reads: 7:17
